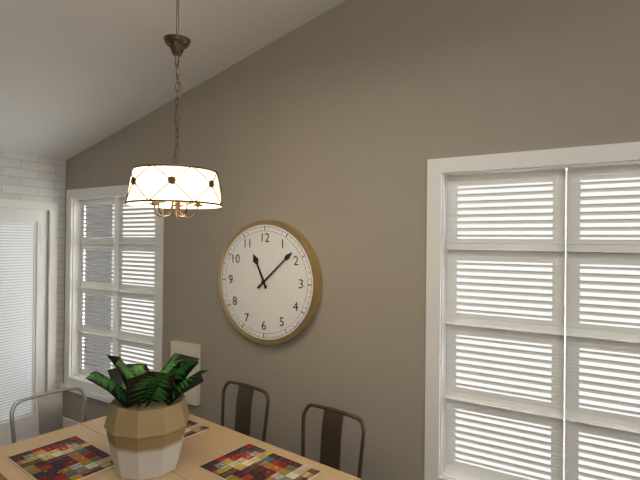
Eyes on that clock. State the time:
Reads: 11:08
